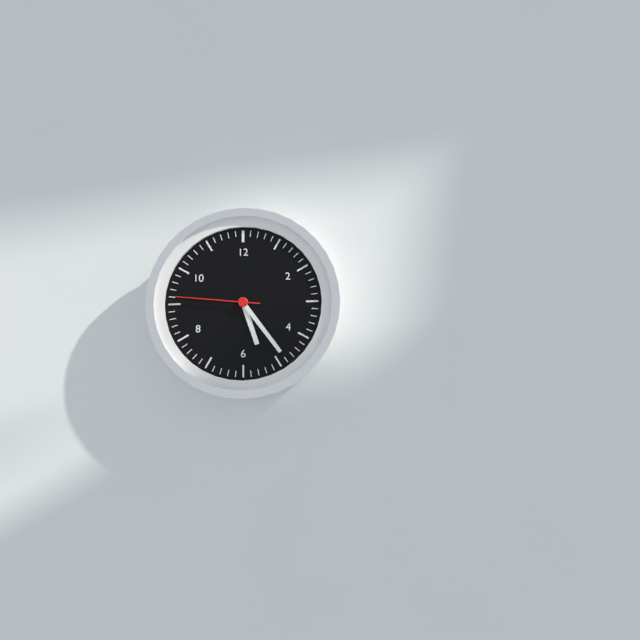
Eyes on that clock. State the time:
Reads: 5:24:46
